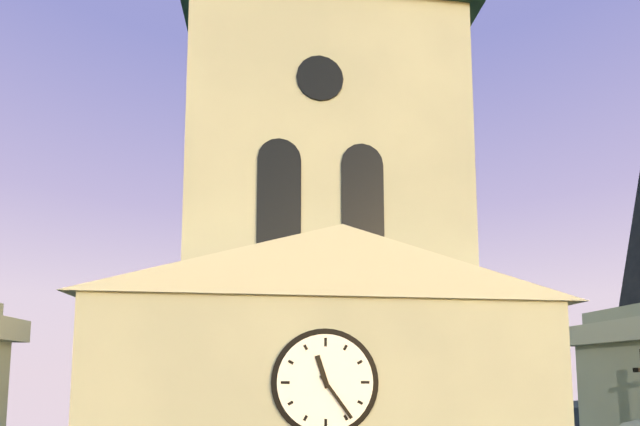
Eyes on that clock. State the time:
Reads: 11:24
